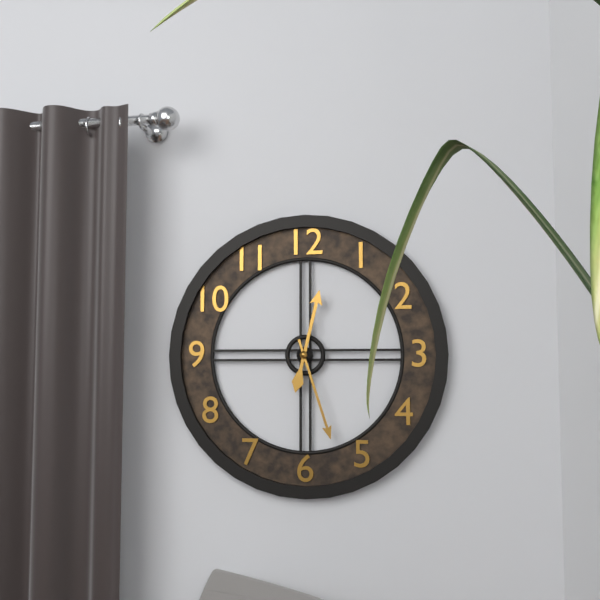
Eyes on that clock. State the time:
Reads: 12:27
